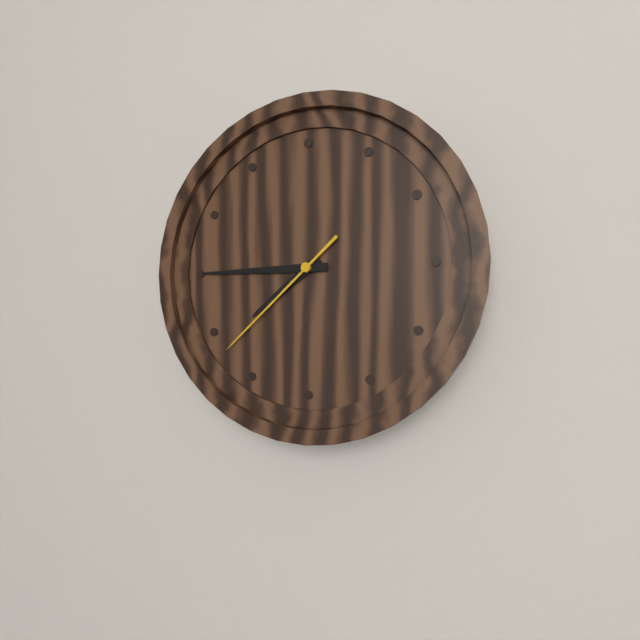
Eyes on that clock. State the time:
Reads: 7:45:38
